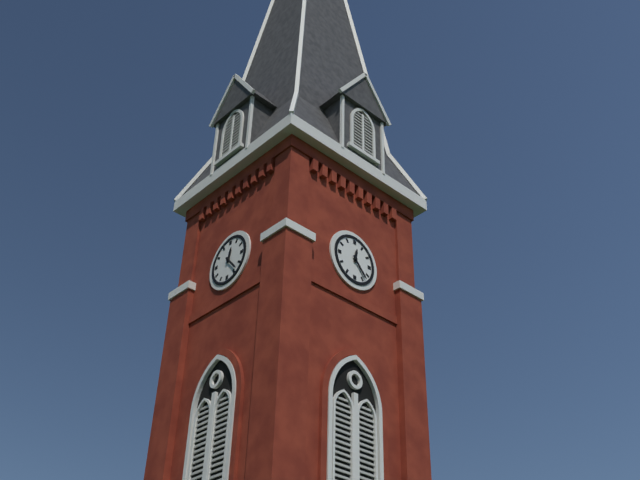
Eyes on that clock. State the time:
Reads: 12:23
